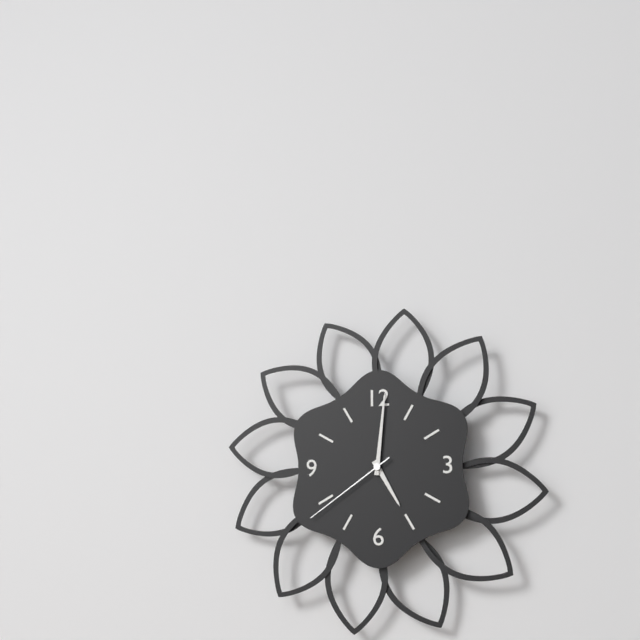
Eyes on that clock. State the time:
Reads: 5:01:39
